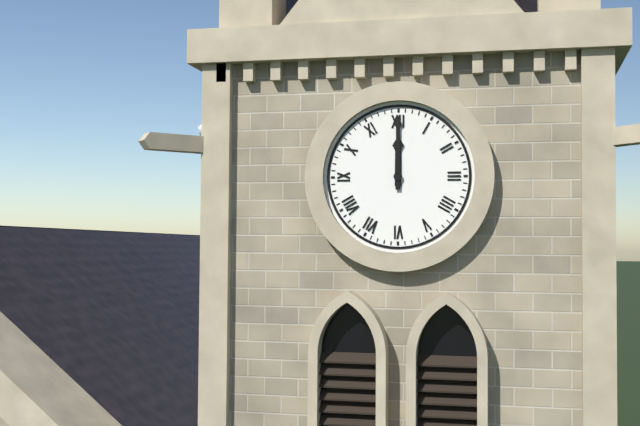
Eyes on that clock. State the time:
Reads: 12:00
